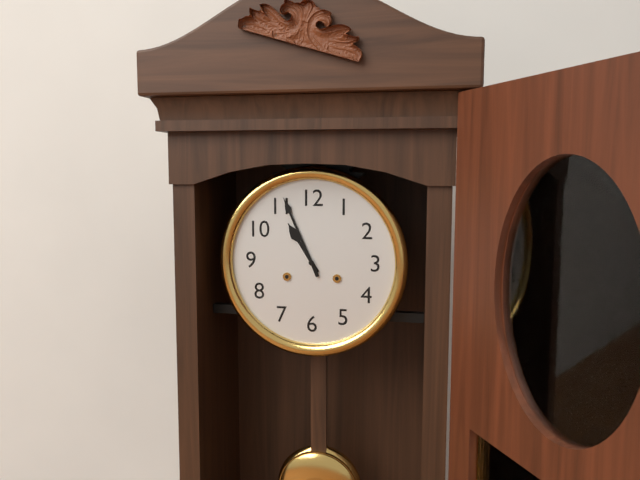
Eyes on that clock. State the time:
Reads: 10:56
